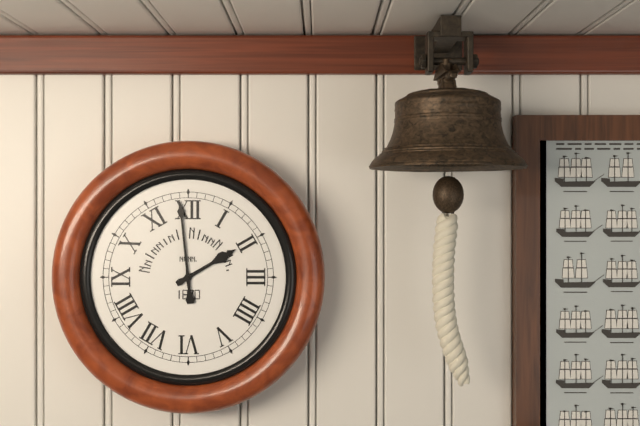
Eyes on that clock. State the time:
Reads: 1:59
